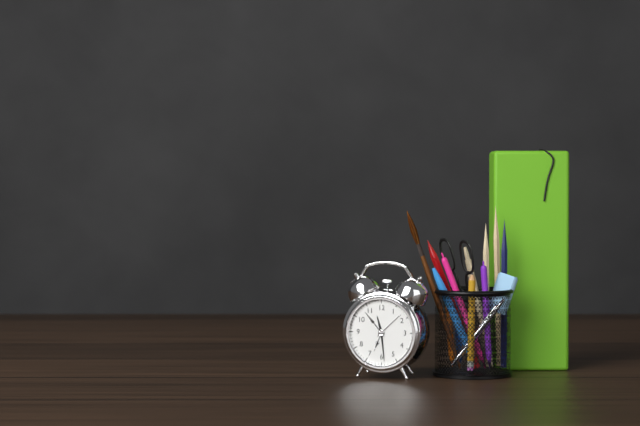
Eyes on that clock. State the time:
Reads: 11:29
